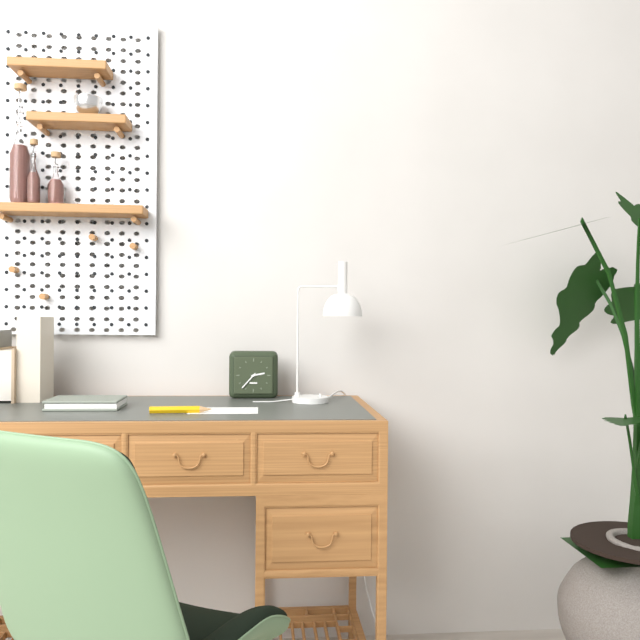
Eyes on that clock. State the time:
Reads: 2:37
